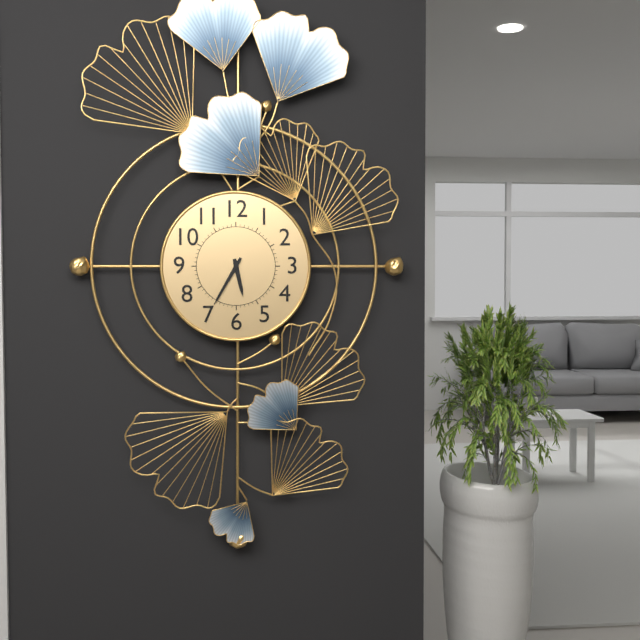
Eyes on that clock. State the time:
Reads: 5:35
